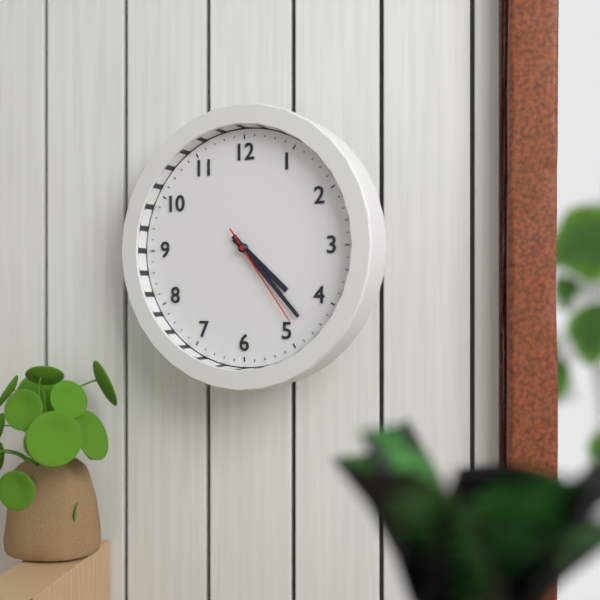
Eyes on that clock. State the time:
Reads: 4:23:24
